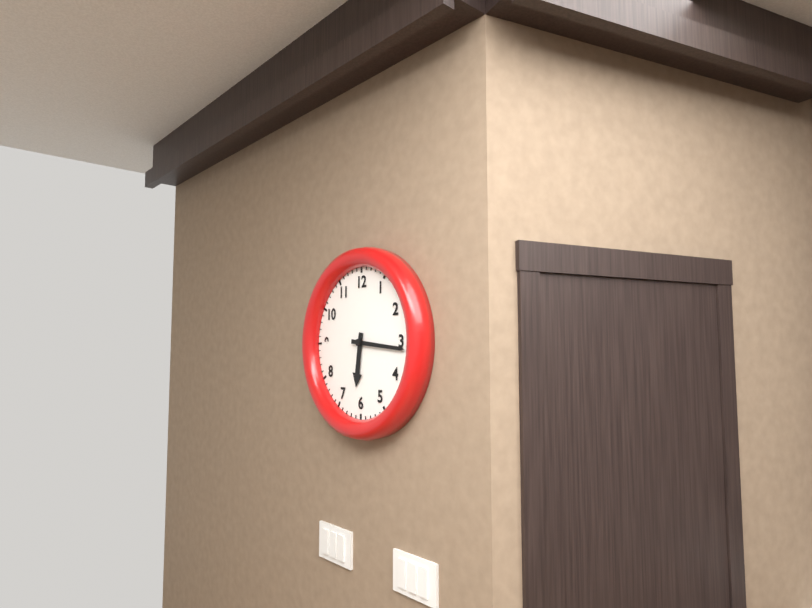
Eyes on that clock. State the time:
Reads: 6:16
